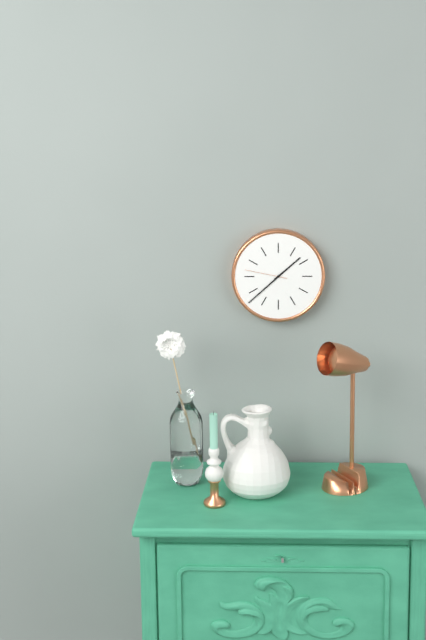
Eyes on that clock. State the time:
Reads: 1:38
